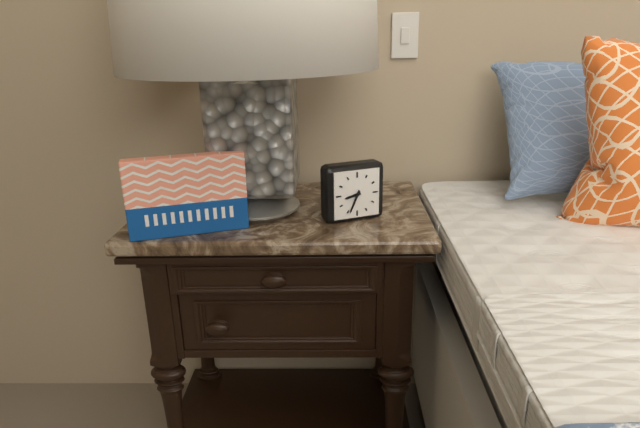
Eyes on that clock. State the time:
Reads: 8:34
